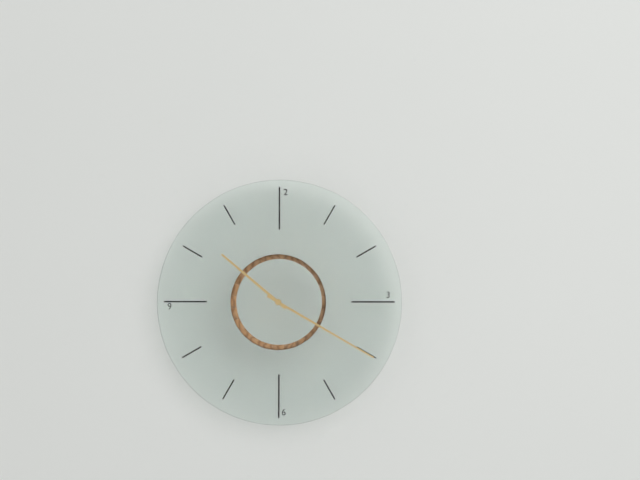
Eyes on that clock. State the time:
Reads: 10:20
